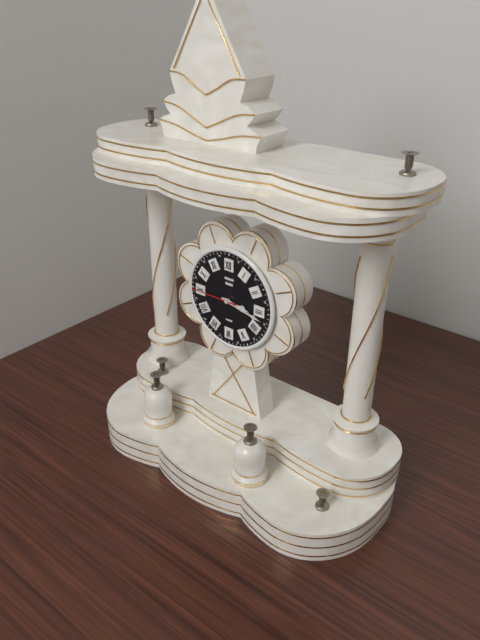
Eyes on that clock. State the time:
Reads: 3:17
